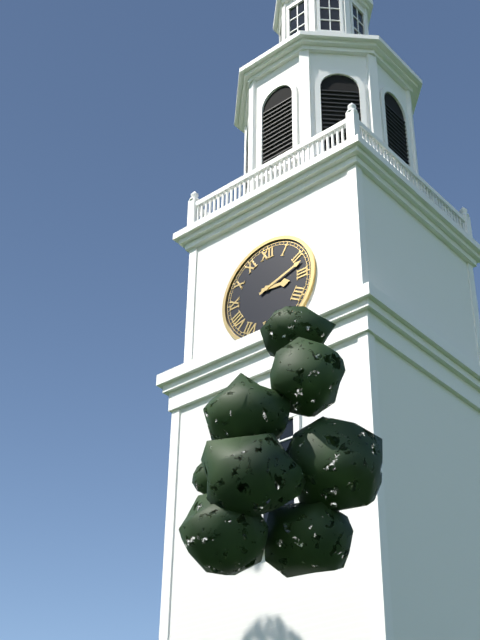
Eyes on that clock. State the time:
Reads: 3:12
